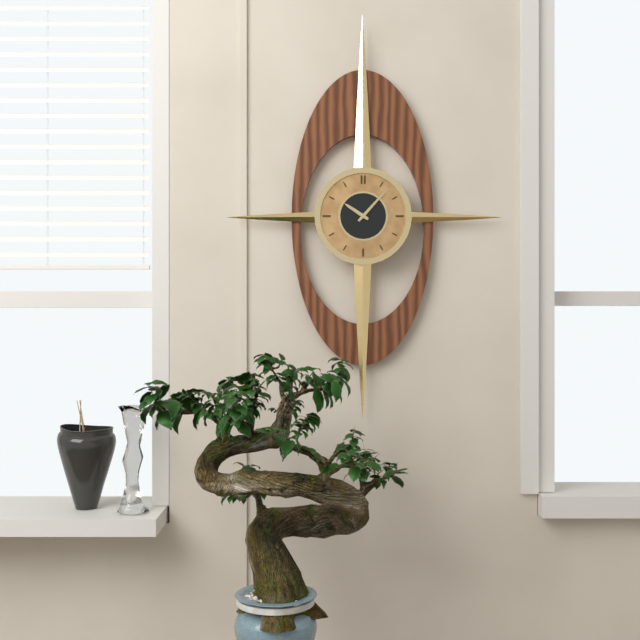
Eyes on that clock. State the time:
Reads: 10:07
